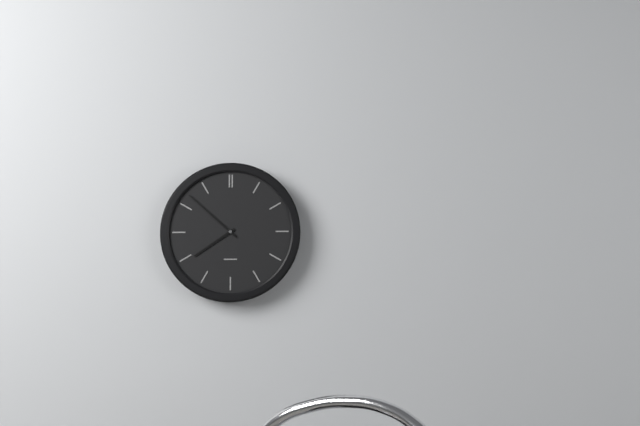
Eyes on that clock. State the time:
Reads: 7:52
